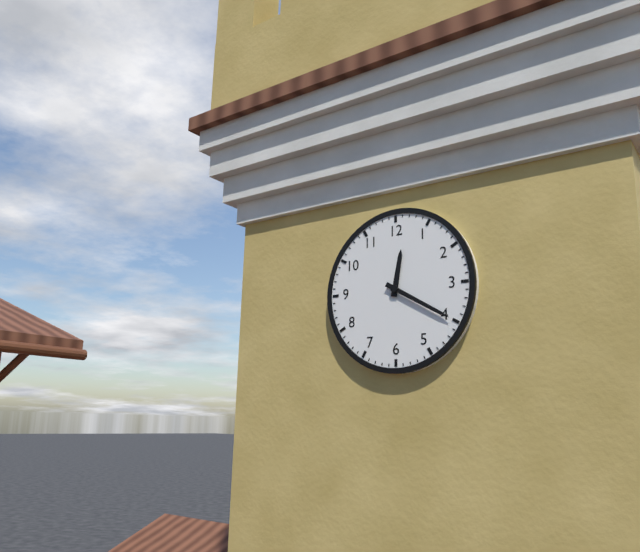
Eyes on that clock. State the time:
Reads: 12:20
